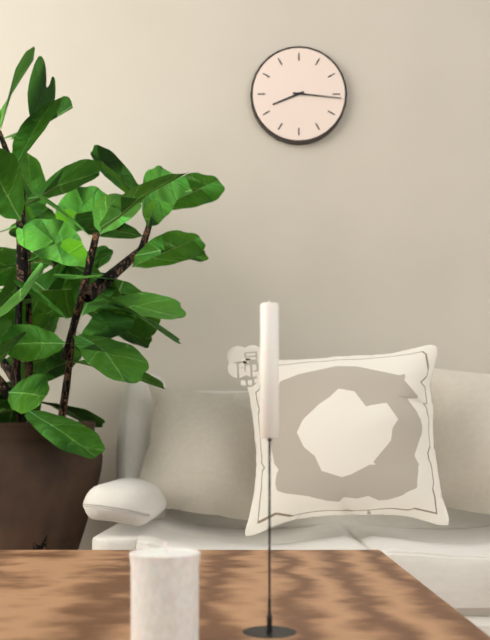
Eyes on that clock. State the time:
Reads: 8:16
